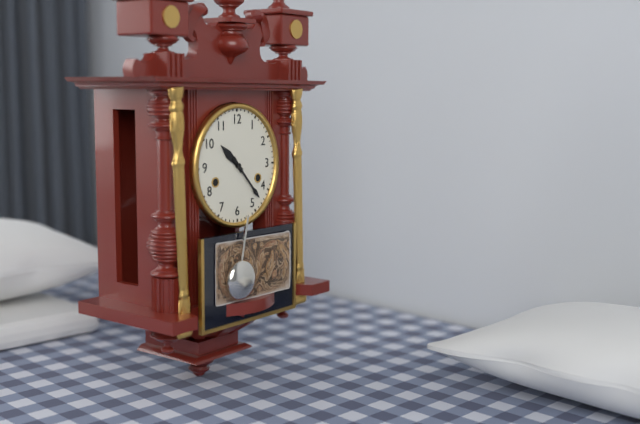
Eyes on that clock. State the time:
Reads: 10:23
